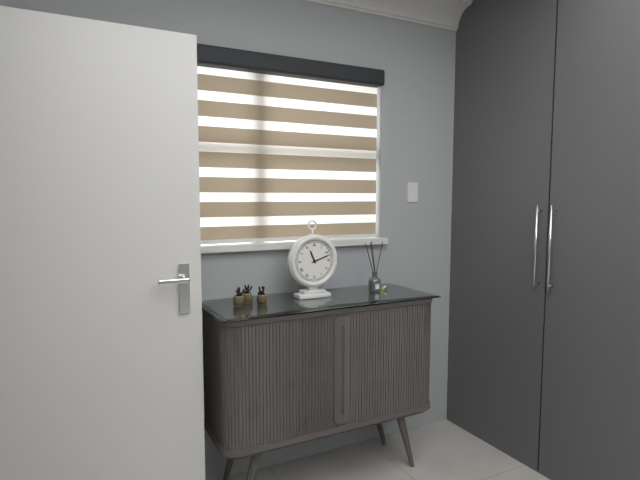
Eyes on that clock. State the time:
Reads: 11:12
